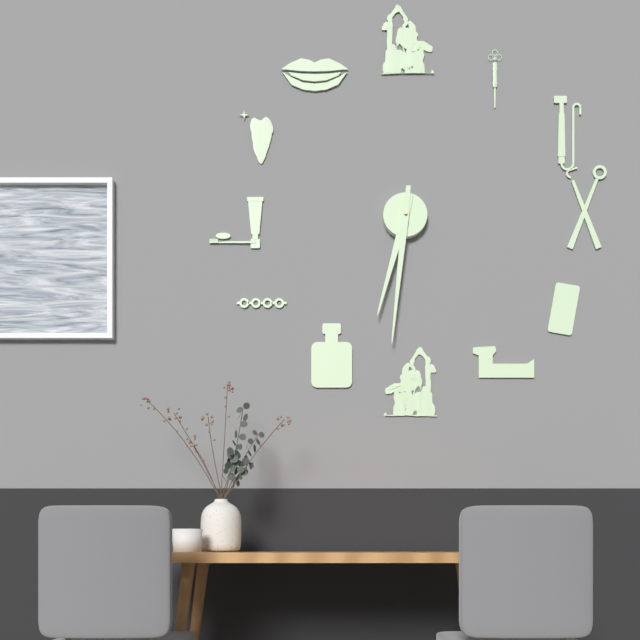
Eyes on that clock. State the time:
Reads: 6:31
